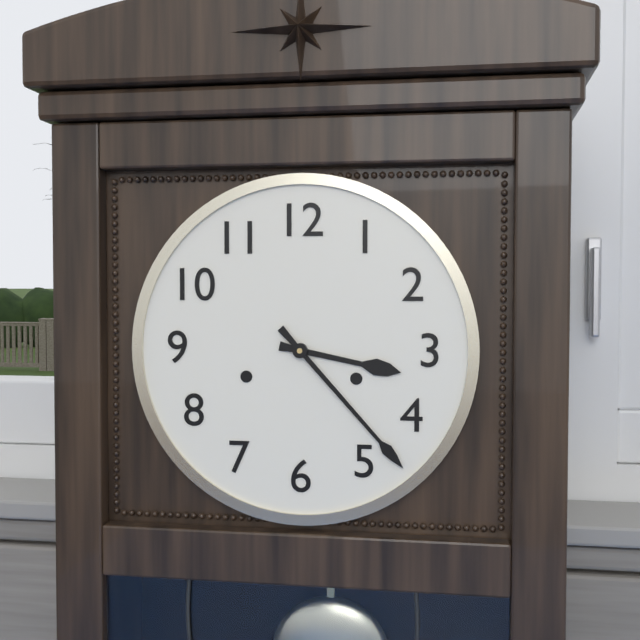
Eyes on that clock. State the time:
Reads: 3:23
